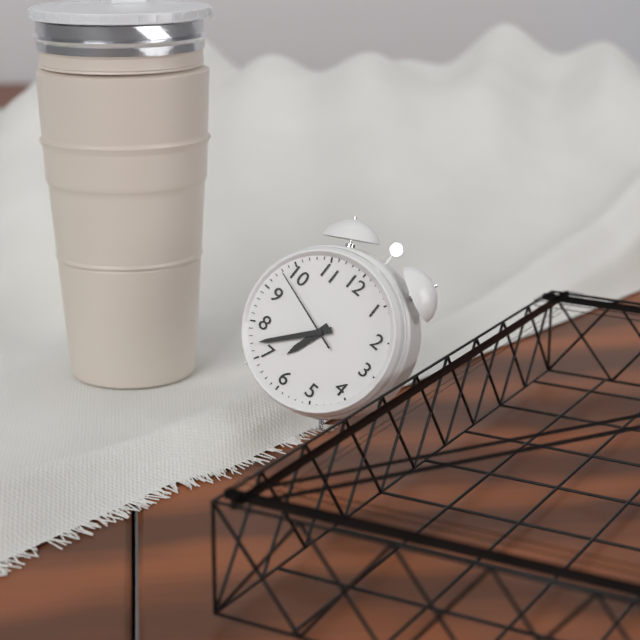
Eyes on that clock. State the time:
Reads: 6:37:48
